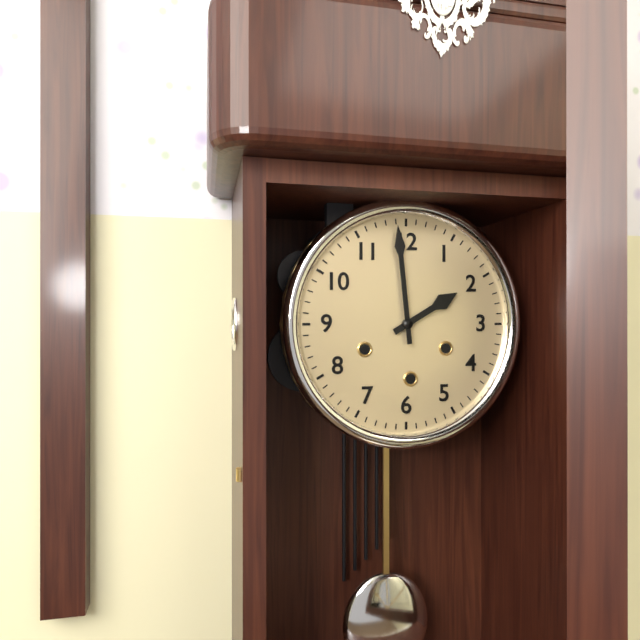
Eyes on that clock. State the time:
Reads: 1:59
